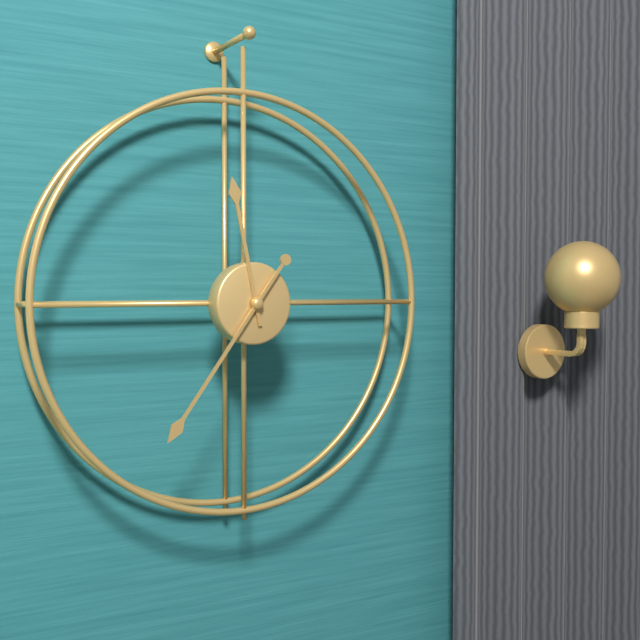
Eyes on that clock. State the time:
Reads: 11:36
